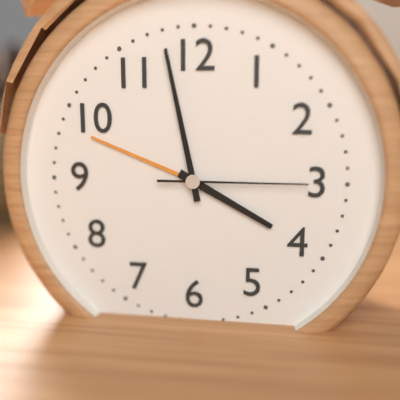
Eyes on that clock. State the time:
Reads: 3:58:15
